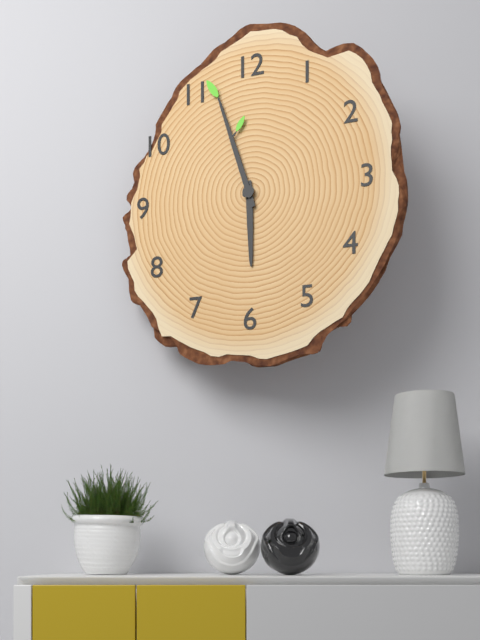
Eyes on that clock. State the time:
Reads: 5:57
